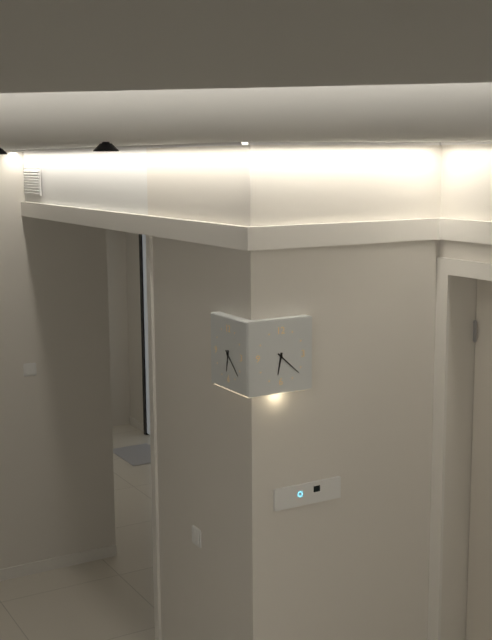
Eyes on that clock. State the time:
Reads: 6:22
